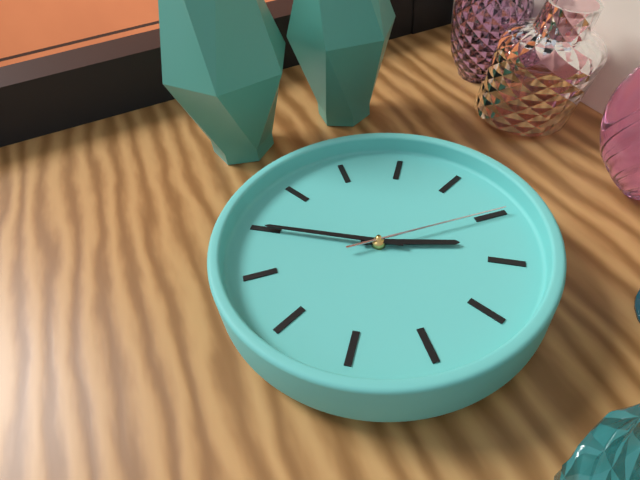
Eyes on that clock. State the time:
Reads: 1:40:05
